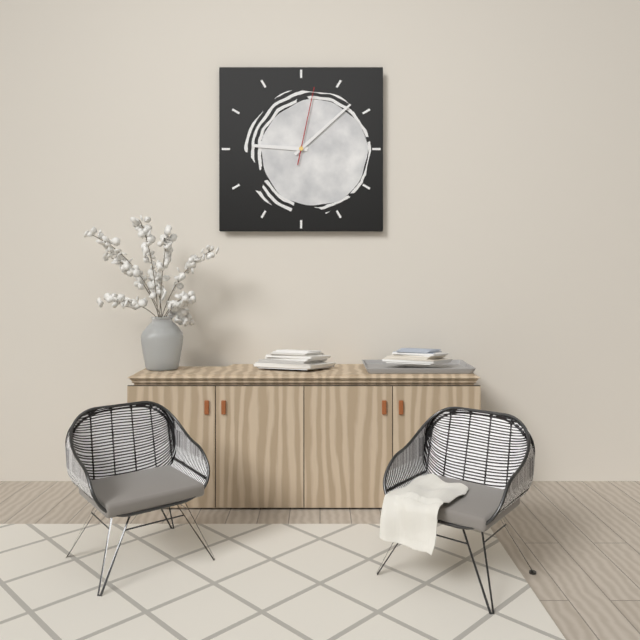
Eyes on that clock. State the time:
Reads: 9:08:02
